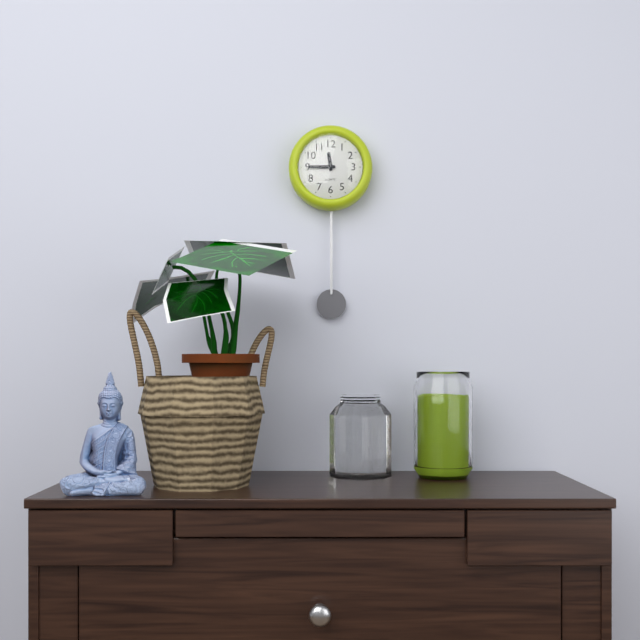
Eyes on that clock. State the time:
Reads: 11:45
